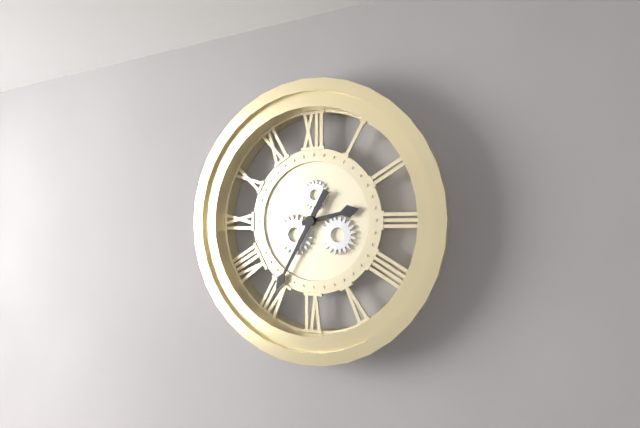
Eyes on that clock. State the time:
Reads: 2:35
